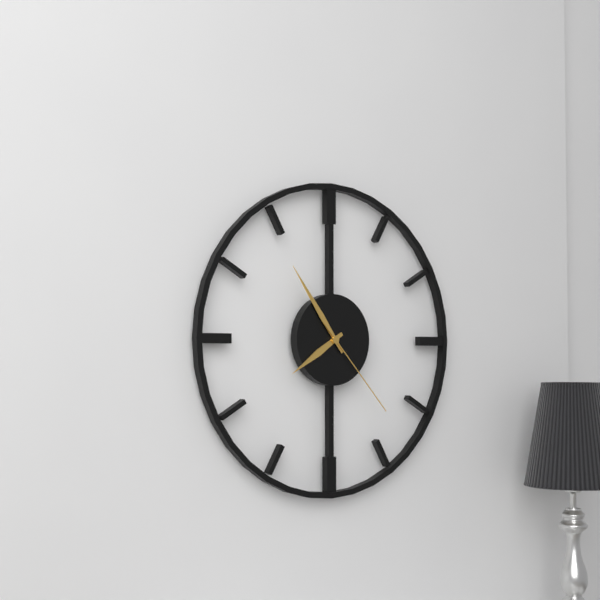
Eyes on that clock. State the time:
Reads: 7:54:23
